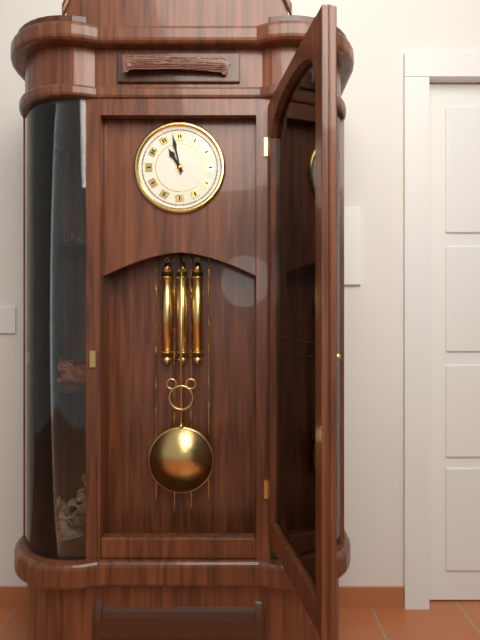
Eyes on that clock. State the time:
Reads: 10:58
